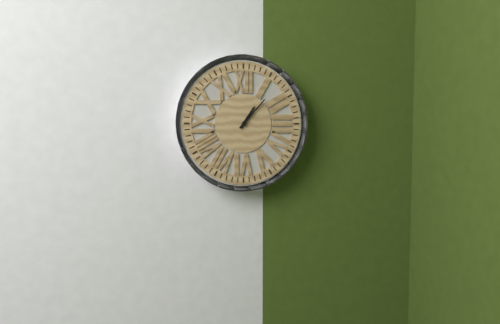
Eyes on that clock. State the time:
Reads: 1:07
